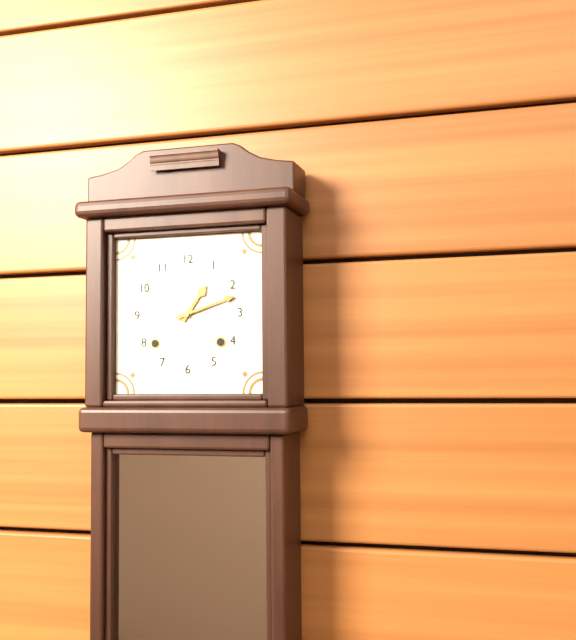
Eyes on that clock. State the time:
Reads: 1:12
